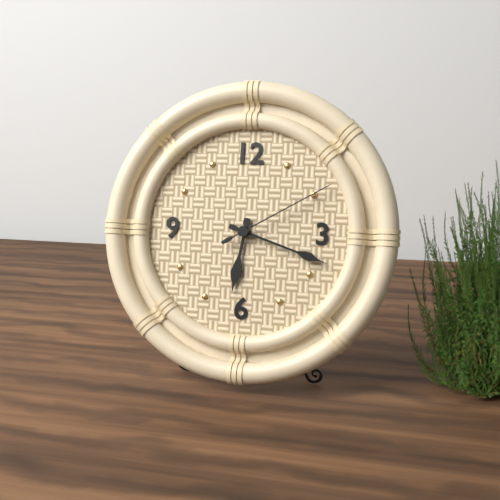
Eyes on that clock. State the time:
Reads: 6:18:10
